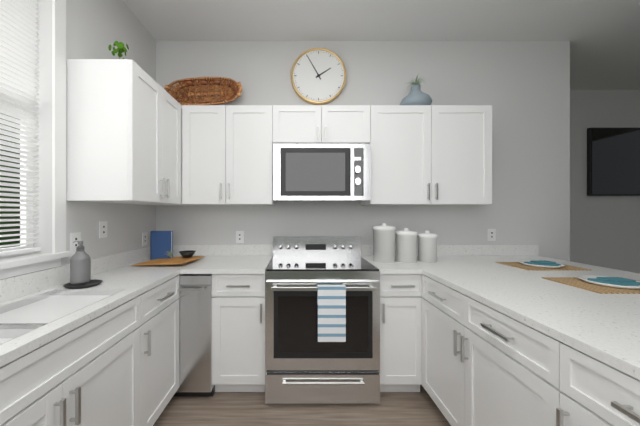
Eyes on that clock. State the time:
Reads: 1:55
